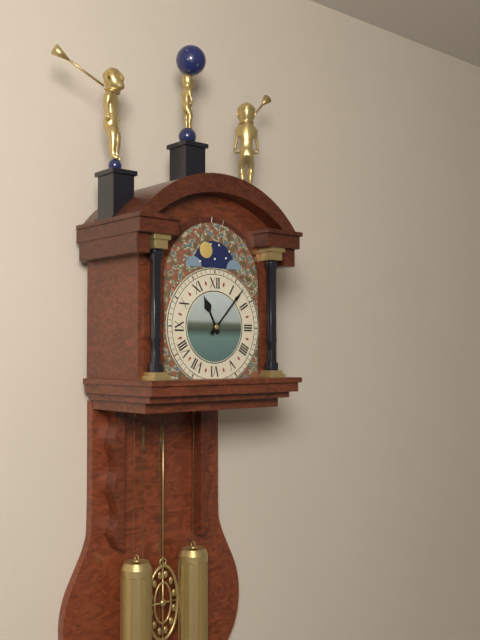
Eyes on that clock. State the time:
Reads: 11:07
